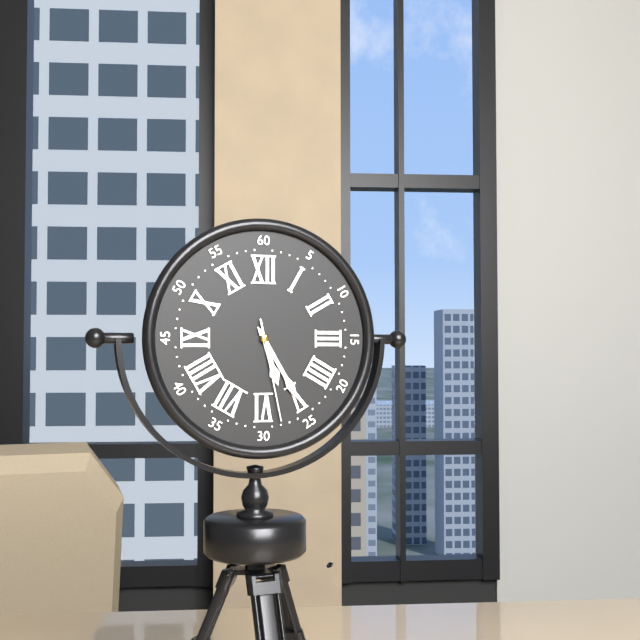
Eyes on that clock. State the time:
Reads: 5:25:28
